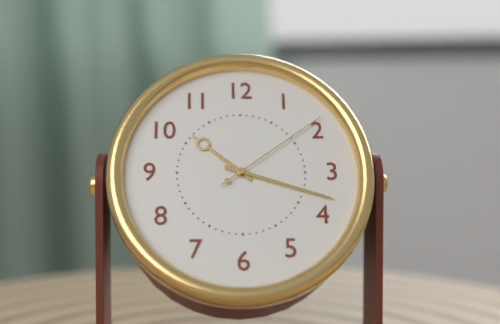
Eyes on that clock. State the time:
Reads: 10:18:09
